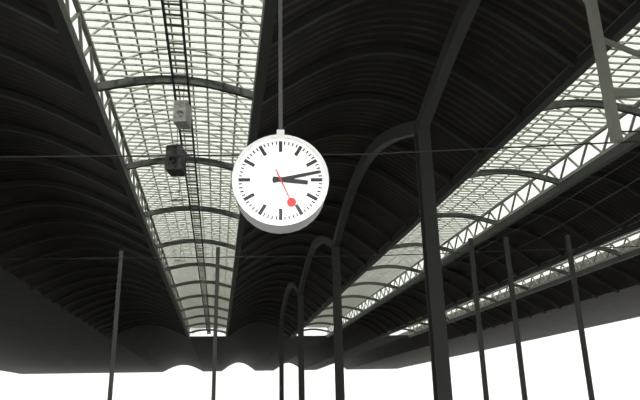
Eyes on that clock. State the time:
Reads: 3:13
